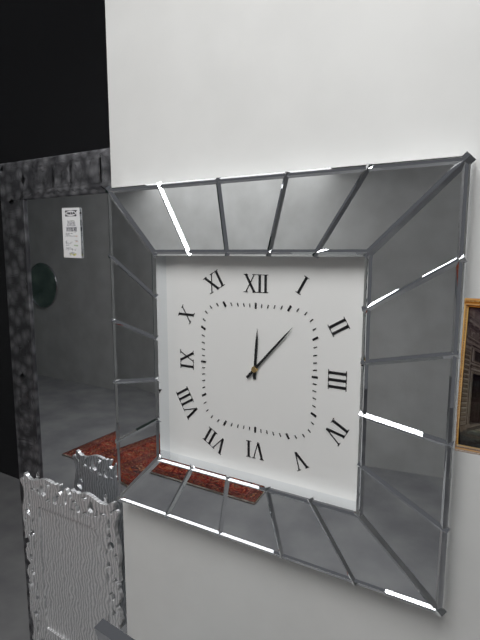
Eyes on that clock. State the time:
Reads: 12:07
